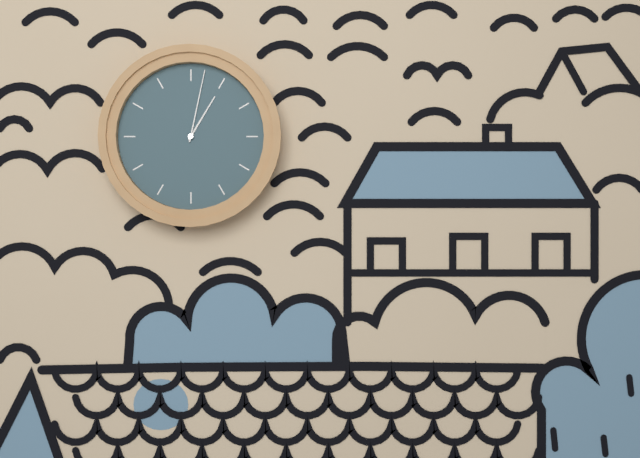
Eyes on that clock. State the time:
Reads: 1:02
